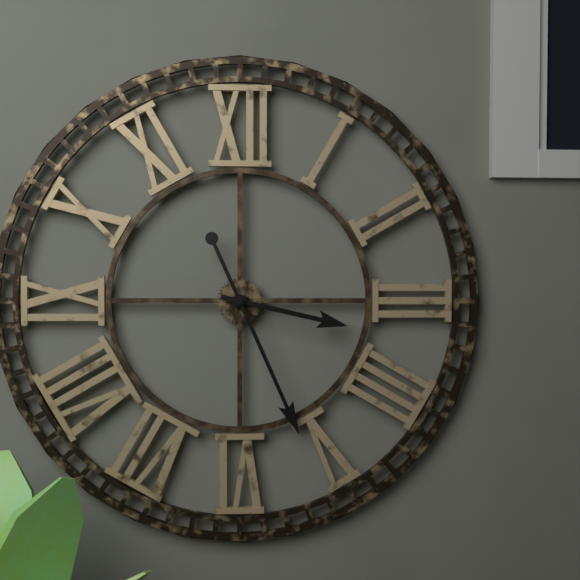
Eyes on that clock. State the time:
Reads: 3:26
